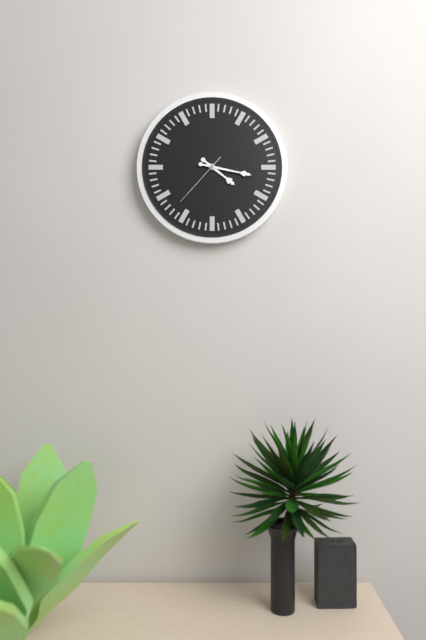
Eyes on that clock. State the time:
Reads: 4:17:37
